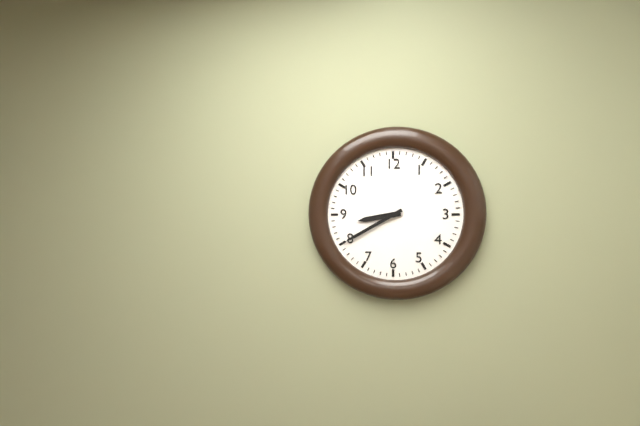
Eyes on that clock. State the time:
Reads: 8:40
